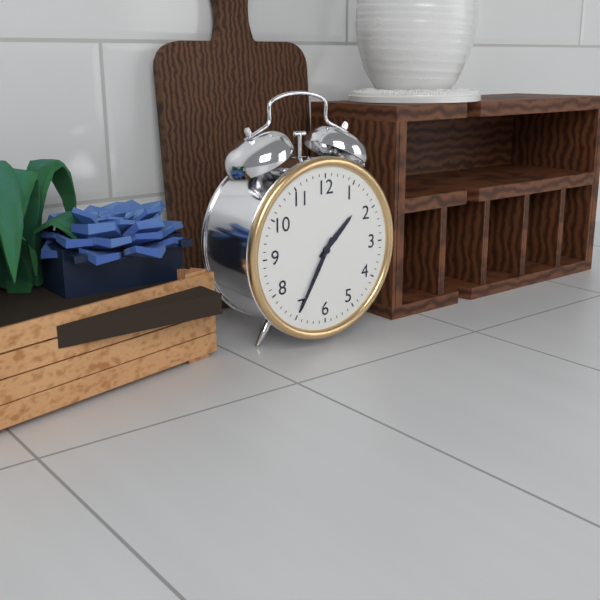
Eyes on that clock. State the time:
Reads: 1:35
